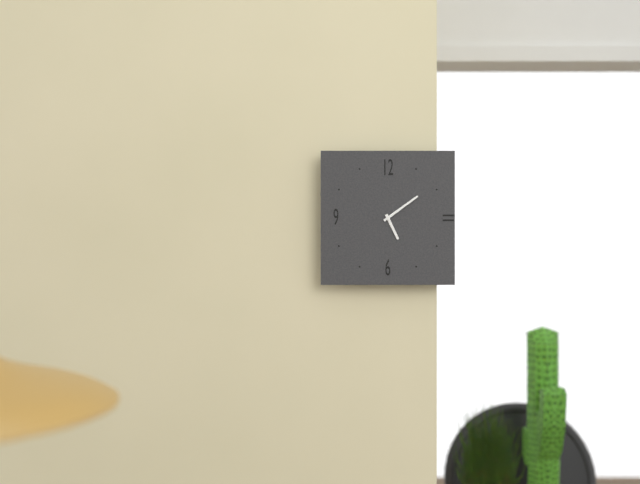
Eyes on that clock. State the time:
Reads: 5:09
